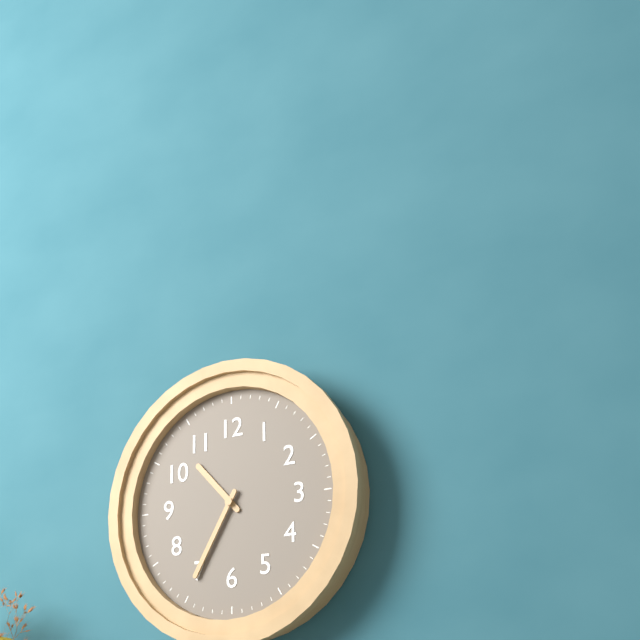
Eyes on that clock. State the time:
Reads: 10:35
